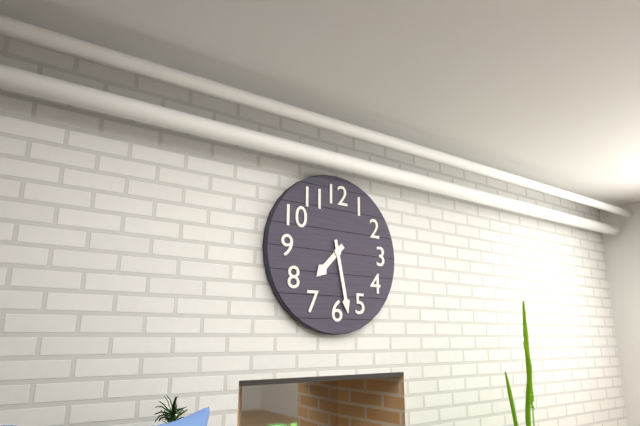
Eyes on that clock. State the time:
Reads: 7:28
